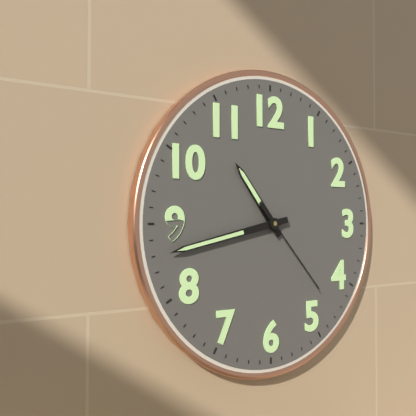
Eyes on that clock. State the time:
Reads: 10:43:23
